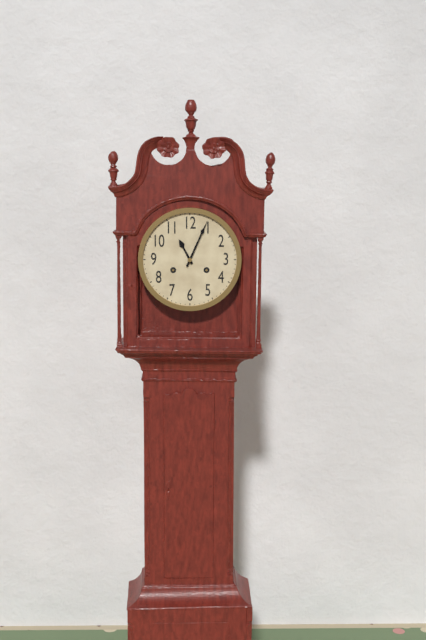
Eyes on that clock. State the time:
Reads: 11:04
